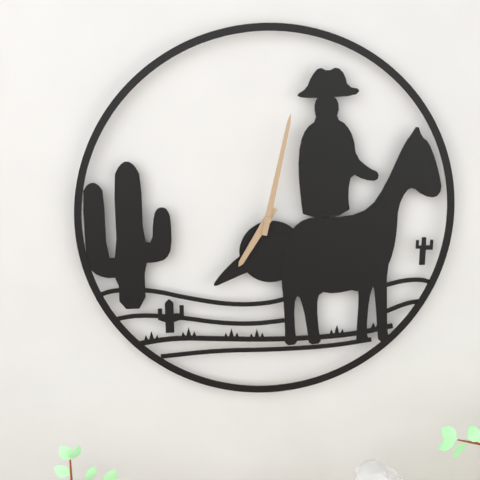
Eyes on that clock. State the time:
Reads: 7:02
